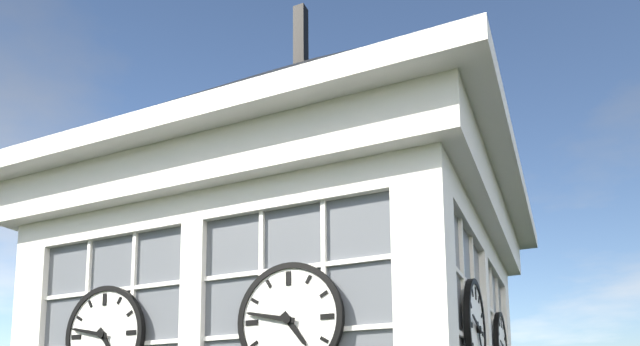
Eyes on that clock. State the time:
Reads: 4:47
